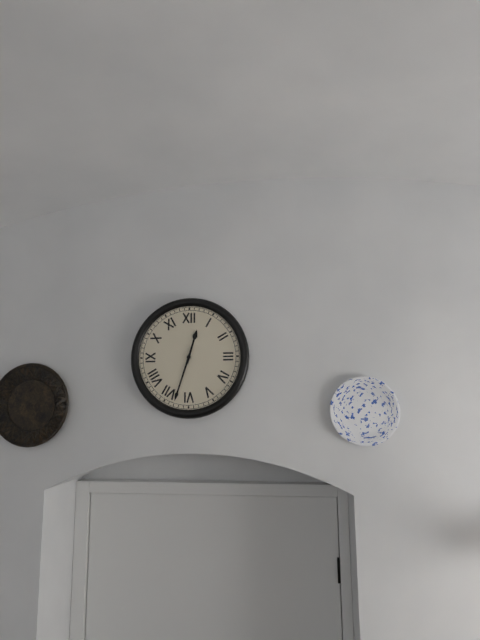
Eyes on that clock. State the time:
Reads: 12:33
